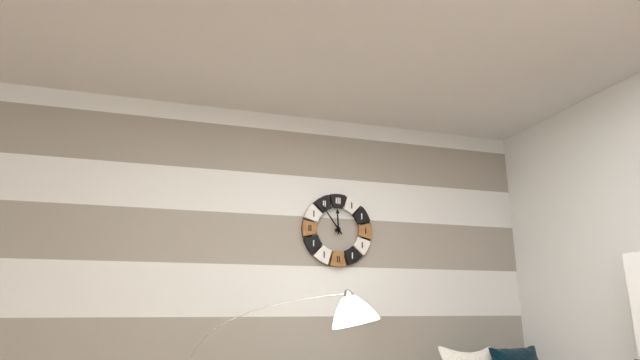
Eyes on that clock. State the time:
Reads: 11:54
